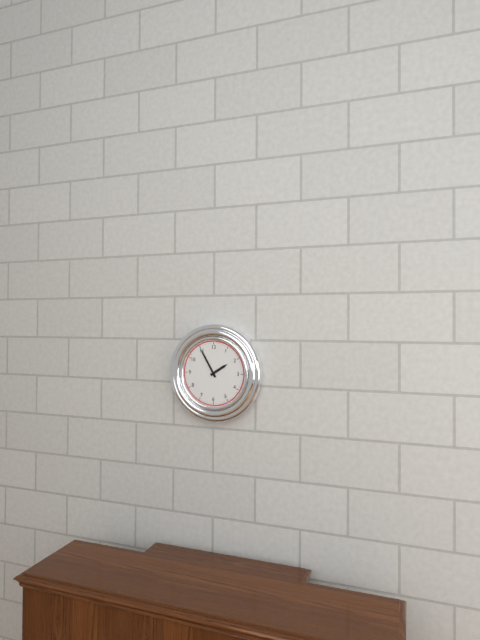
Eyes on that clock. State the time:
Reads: 1:55
